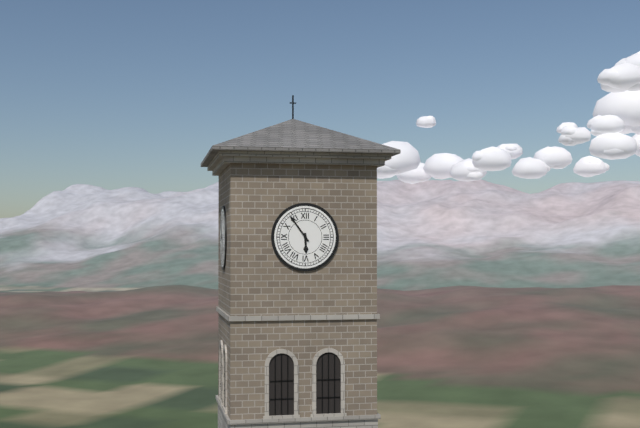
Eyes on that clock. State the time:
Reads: 5:54
